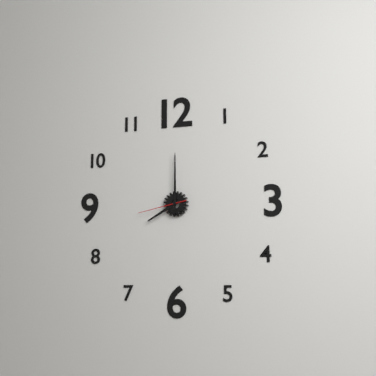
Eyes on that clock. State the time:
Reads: 8:00
